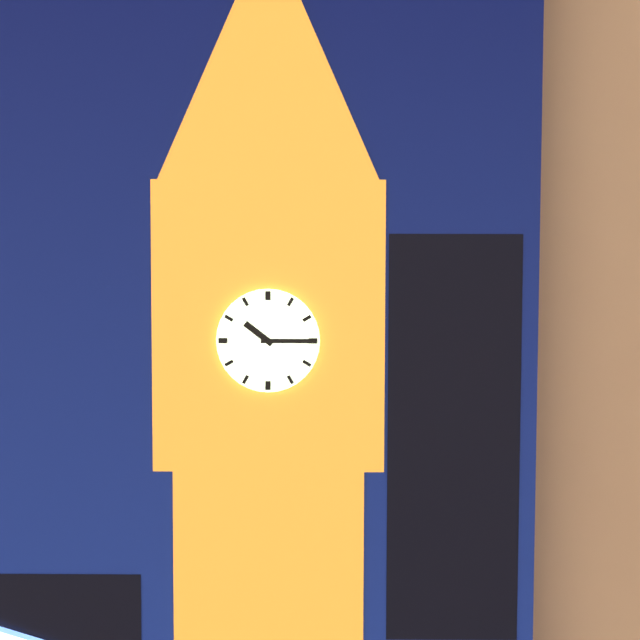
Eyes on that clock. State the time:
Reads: 10:15
